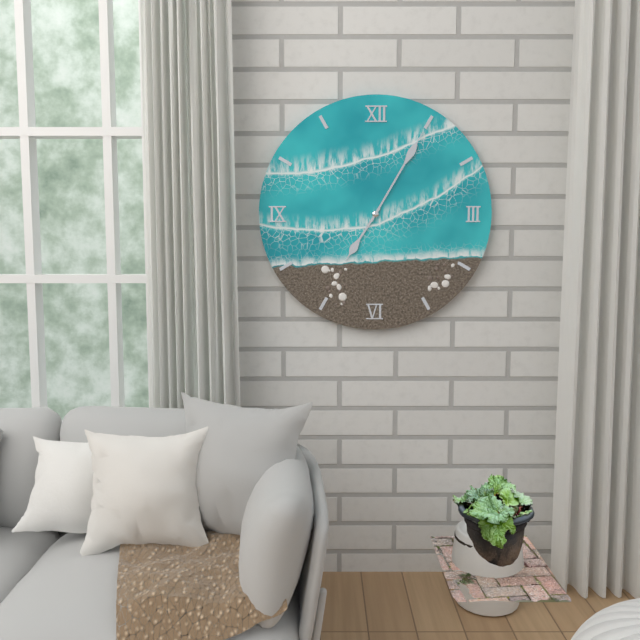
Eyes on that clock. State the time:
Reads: 7:05
